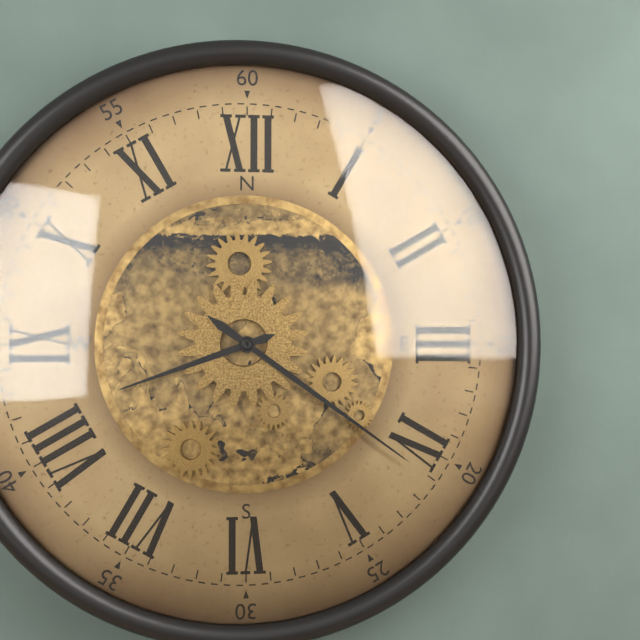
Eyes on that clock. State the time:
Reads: 8:21
